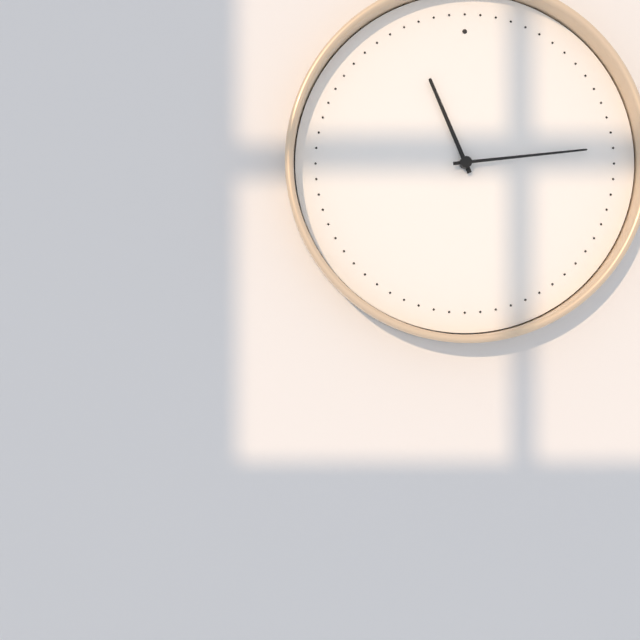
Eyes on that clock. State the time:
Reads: 11:14
